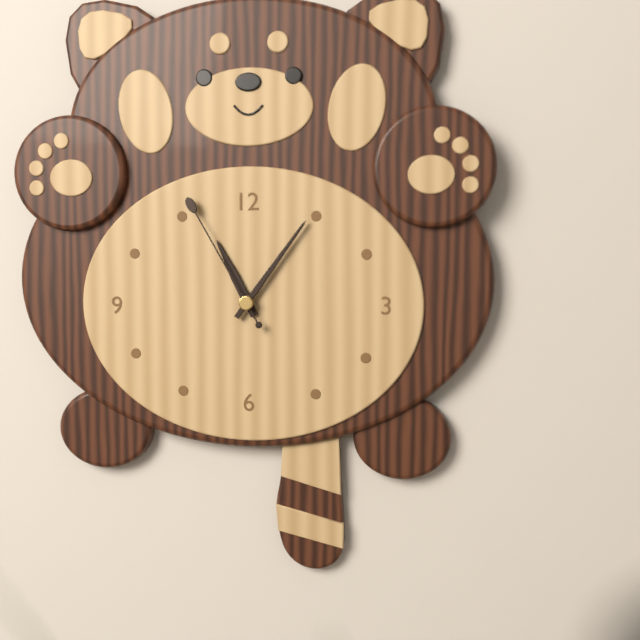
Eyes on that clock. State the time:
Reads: 11:06:55
